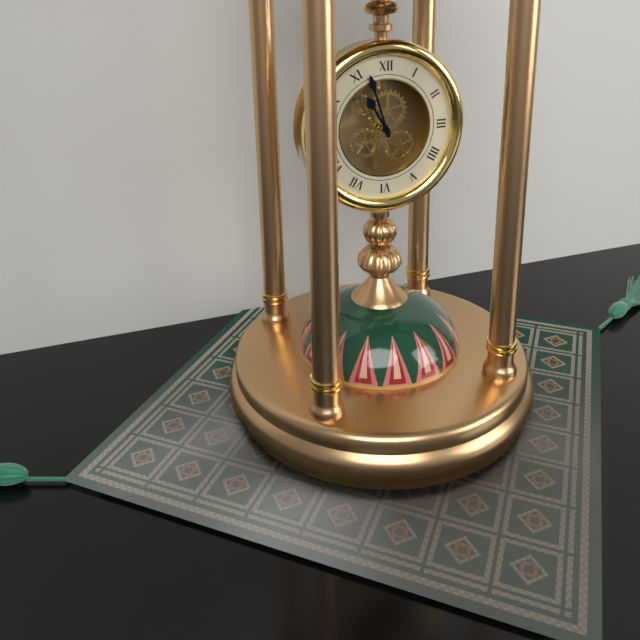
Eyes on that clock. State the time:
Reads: 10:57
